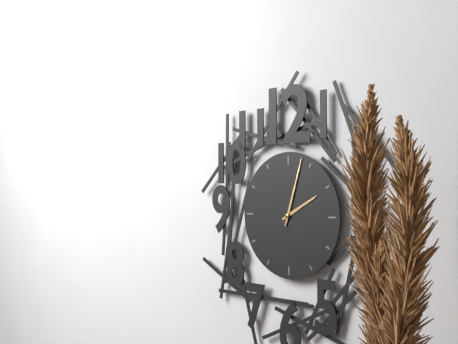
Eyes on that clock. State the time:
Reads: 2:03
